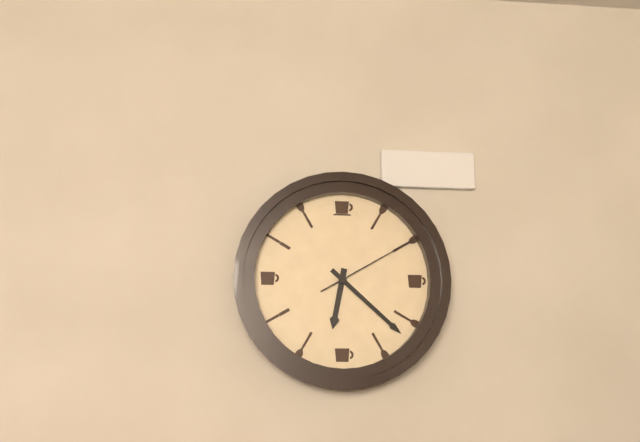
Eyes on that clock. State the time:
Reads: 6:22:10
